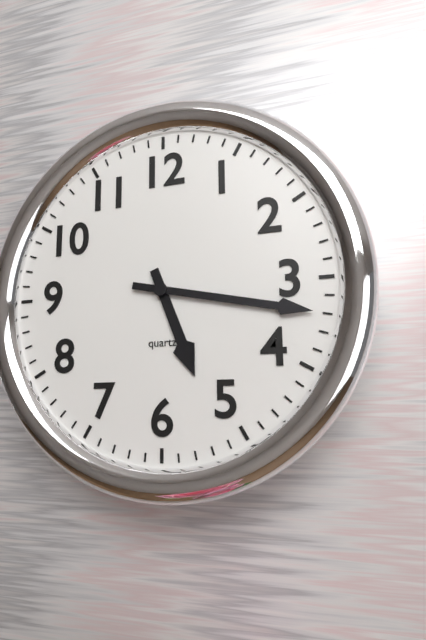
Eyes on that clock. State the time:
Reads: 5:17
